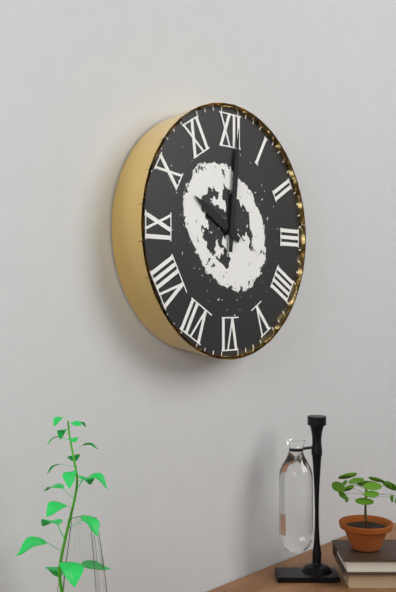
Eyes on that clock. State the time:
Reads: 10:01
